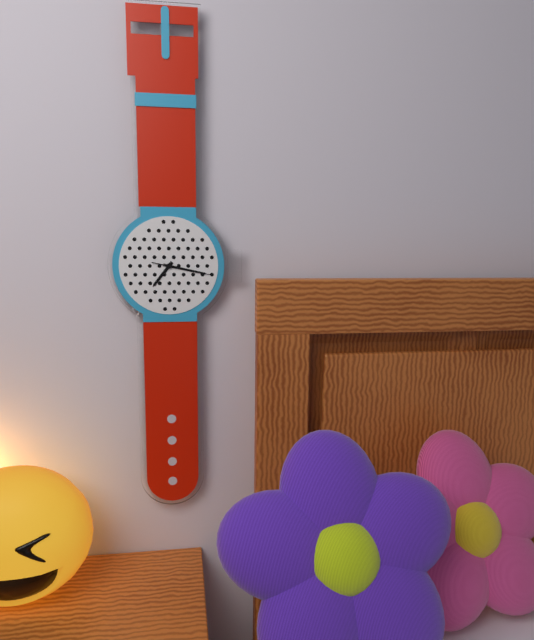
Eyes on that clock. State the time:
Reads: 7:17:17
